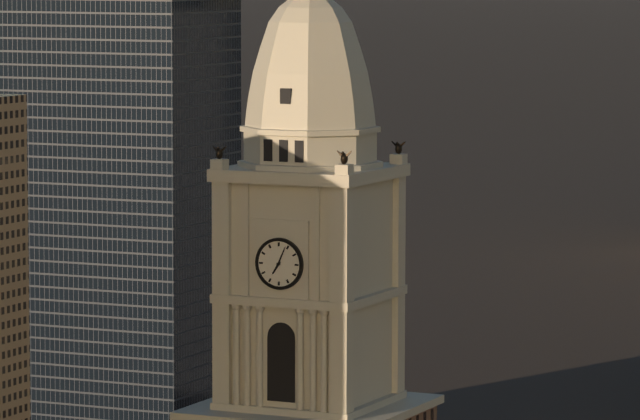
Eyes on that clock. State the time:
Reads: 7:04
